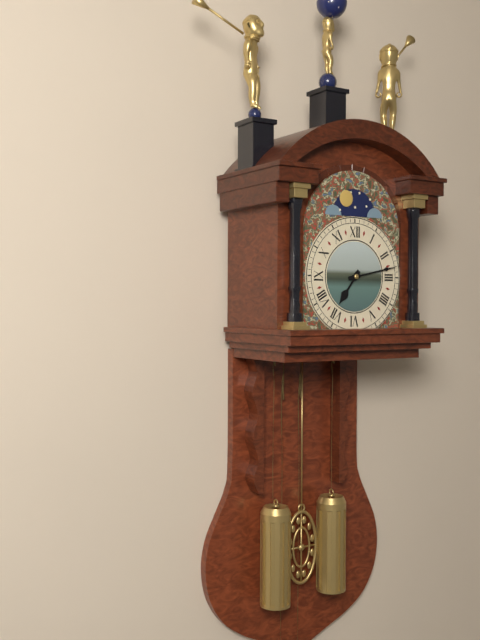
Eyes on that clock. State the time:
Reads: 7:13
